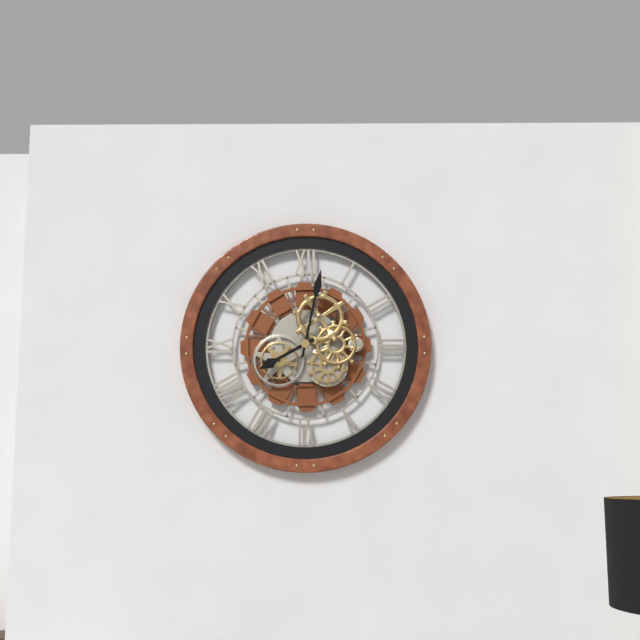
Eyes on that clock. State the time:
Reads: 8:02
